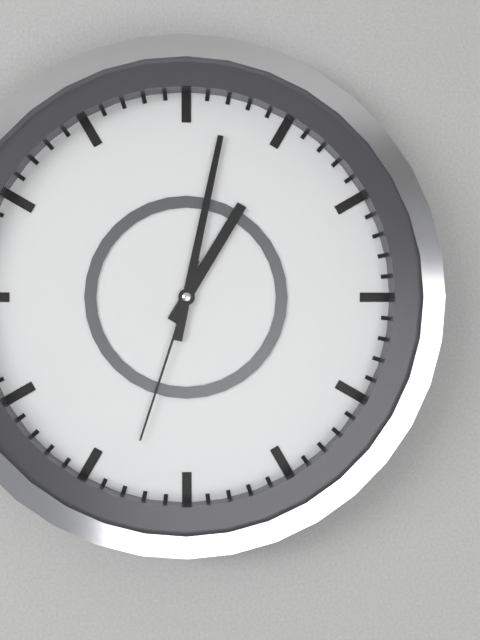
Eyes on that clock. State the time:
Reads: 1:02:33
